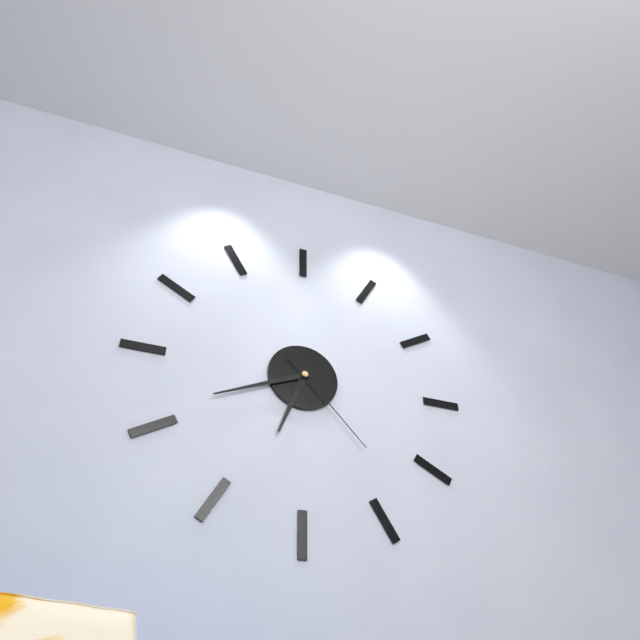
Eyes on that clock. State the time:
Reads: 6:41:23
